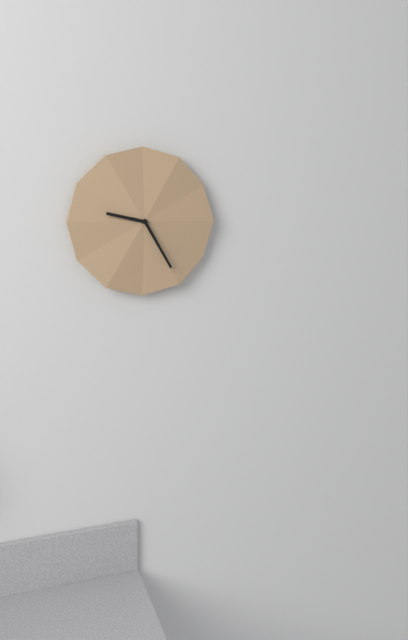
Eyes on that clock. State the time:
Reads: 9:25
